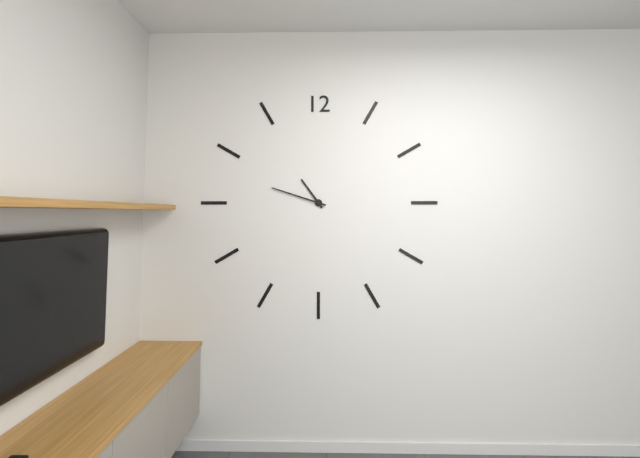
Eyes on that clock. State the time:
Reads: 10:48
